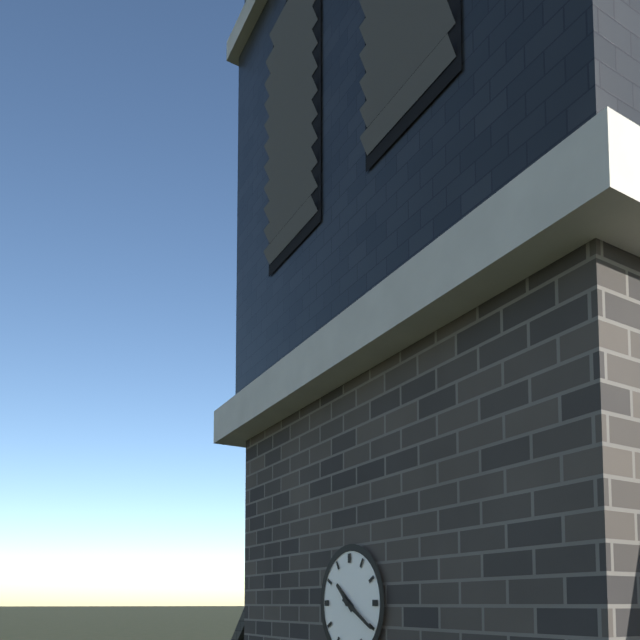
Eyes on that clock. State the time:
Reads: 10:20
